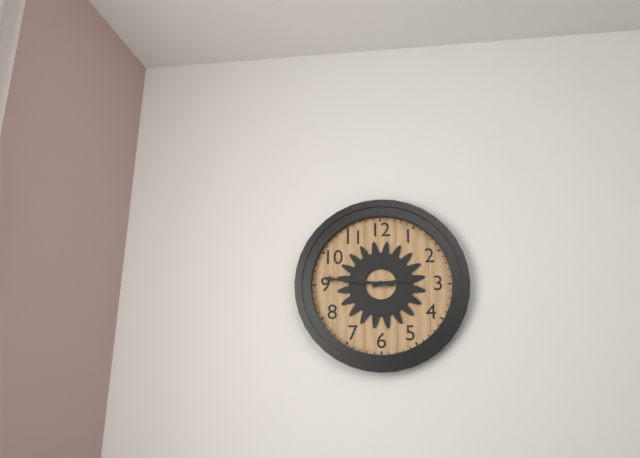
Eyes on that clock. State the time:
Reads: 2:46
